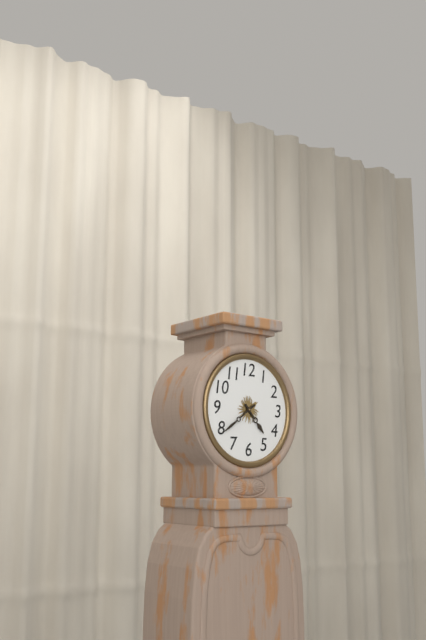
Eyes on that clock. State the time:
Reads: 4:39
